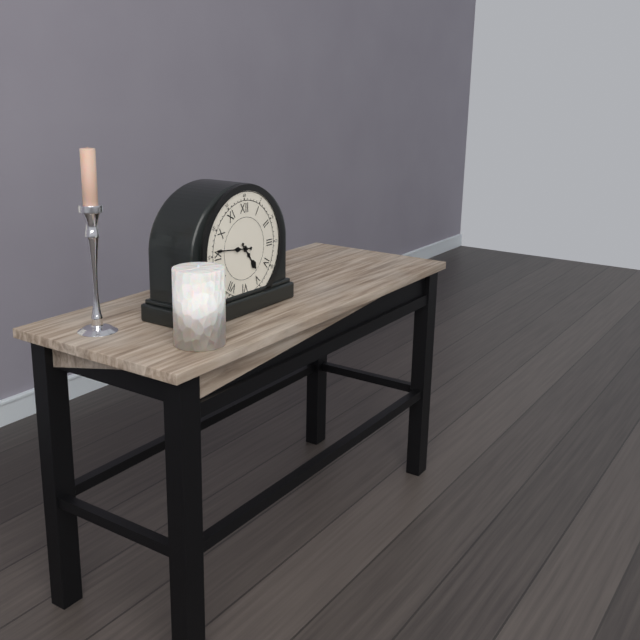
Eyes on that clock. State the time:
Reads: 4:46
